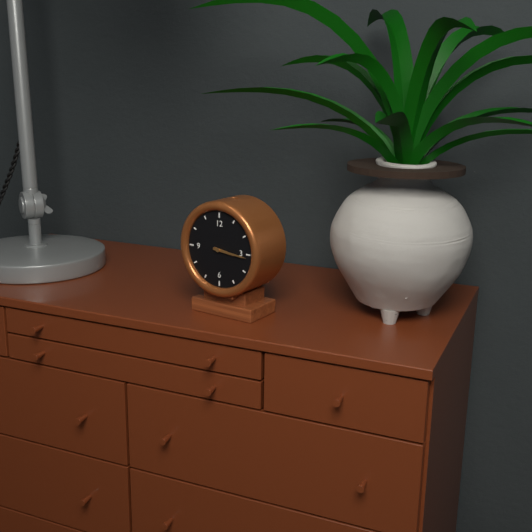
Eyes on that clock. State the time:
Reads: 3:16
